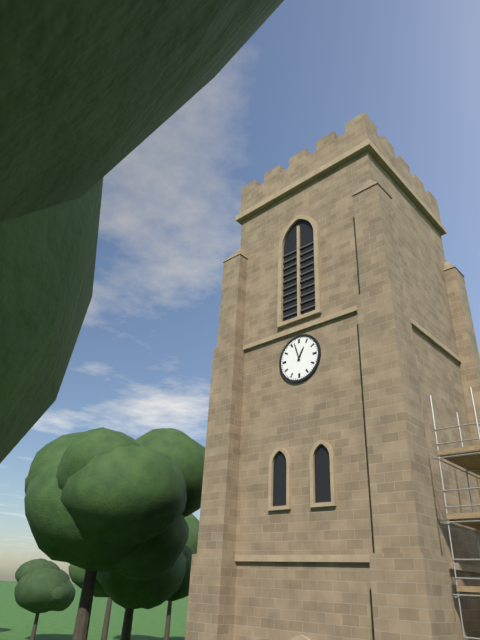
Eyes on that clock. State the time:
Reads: 12:57
